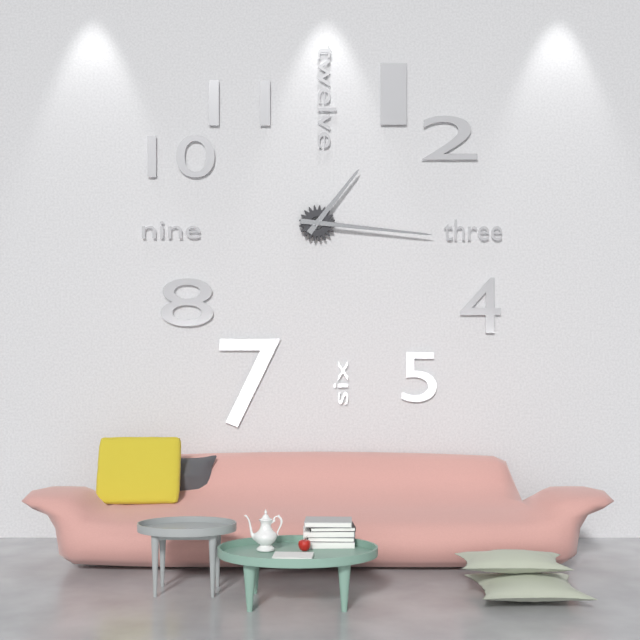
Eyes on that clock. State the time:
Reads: 1:16
